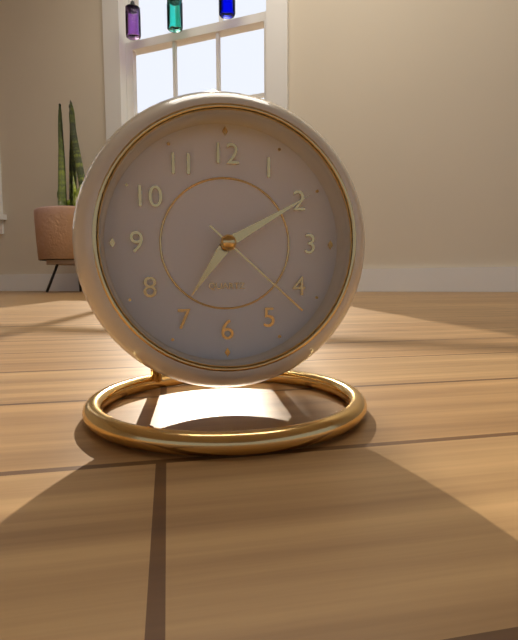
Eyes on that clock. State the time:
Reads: 7:10:22
